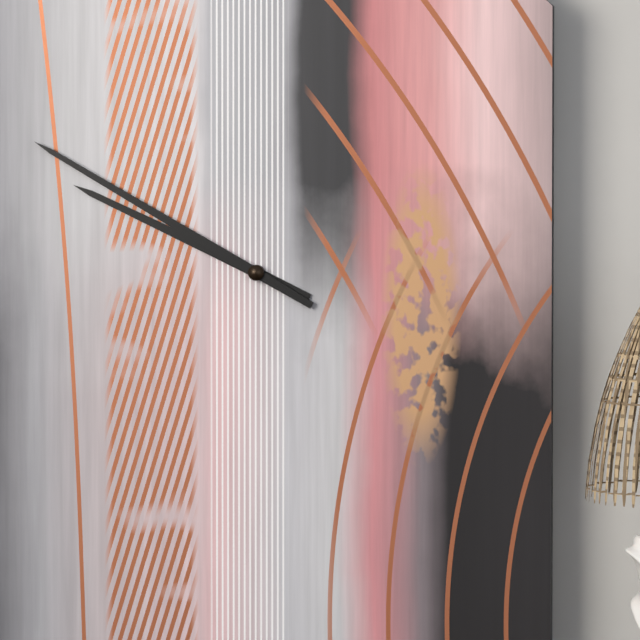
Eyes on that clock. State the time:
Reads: 9:50
